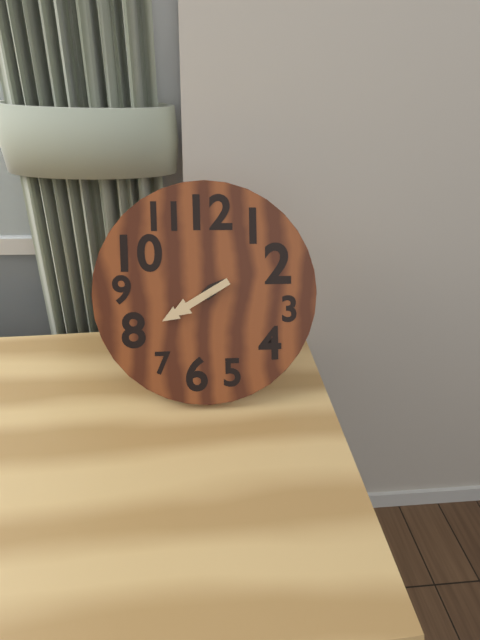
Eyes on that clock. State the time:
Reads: 1:40
